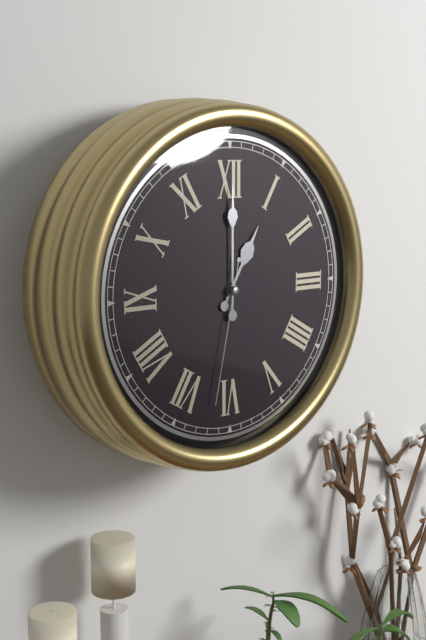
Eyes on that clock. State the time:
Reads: 1:00:32
